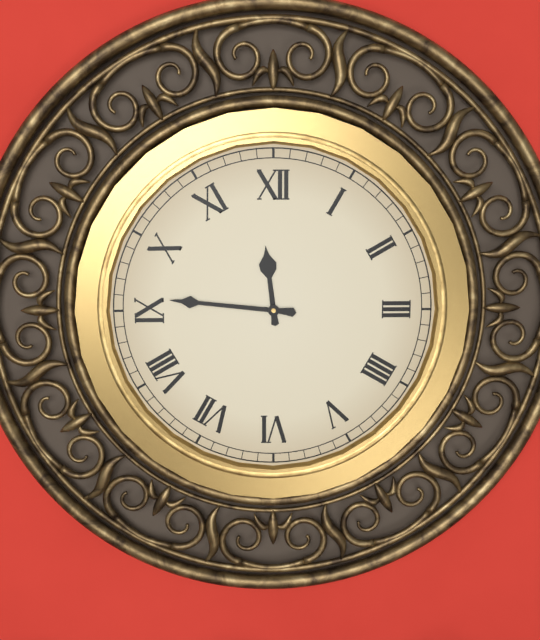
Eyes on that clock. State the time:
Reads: 11:46
